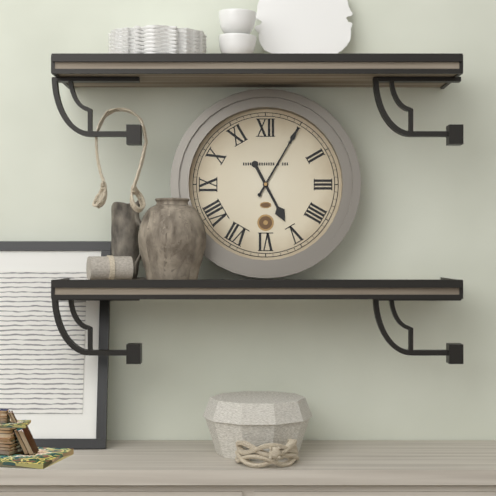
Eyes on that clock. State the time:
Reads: 5:05
